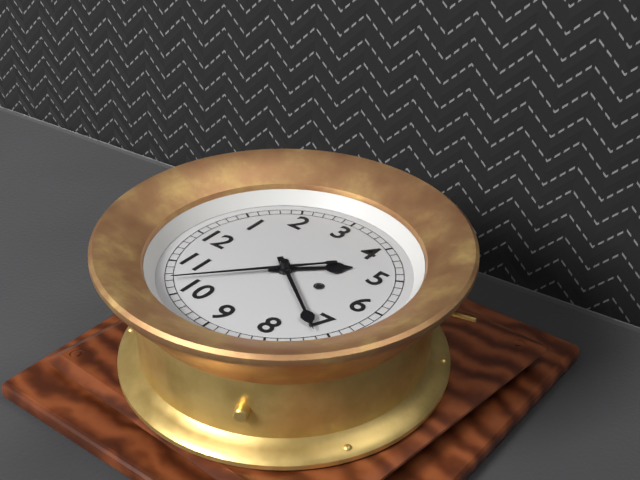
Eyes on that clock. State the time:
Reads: 4:36:52
